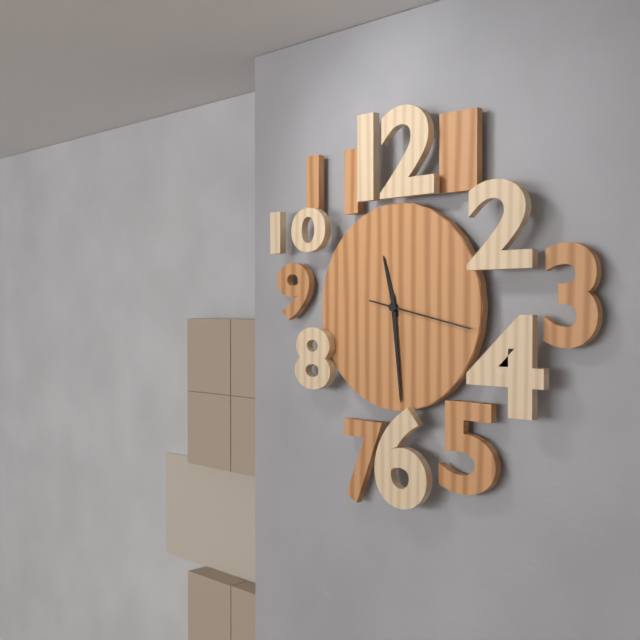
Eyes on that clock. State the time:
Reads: 11:29:17
